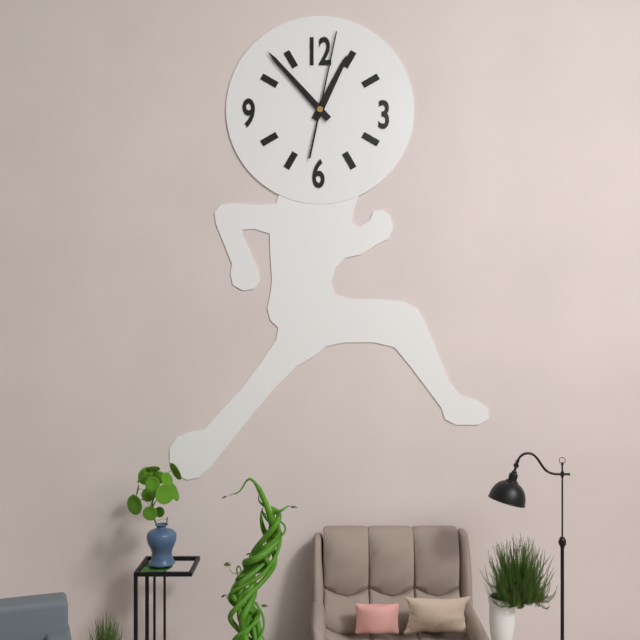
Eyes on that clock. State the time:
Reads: 12:53:02
